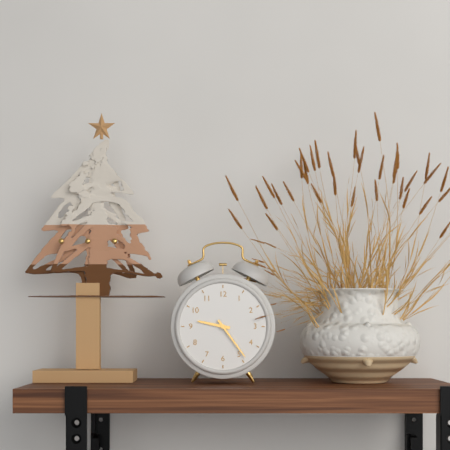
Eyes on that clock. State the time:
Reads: 9:24
